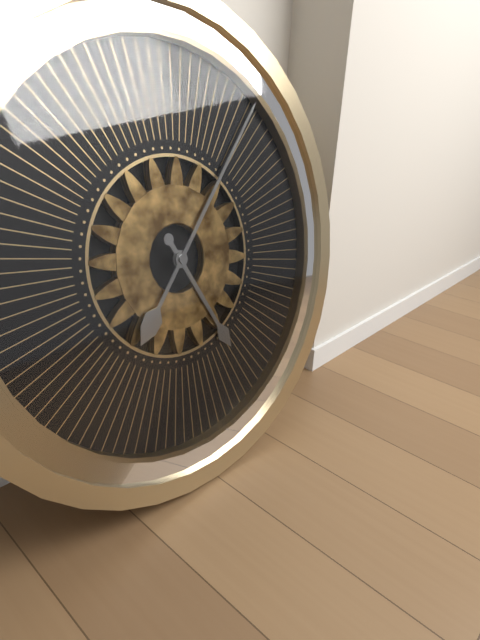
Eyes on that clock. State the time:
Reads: 5:07
